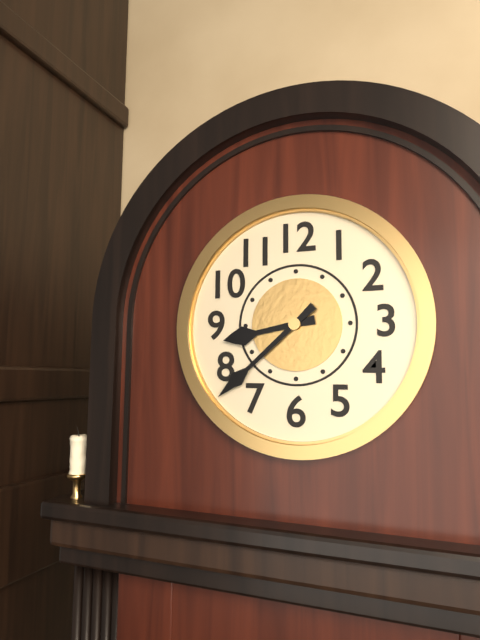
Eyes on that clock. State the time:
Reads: 8:38
